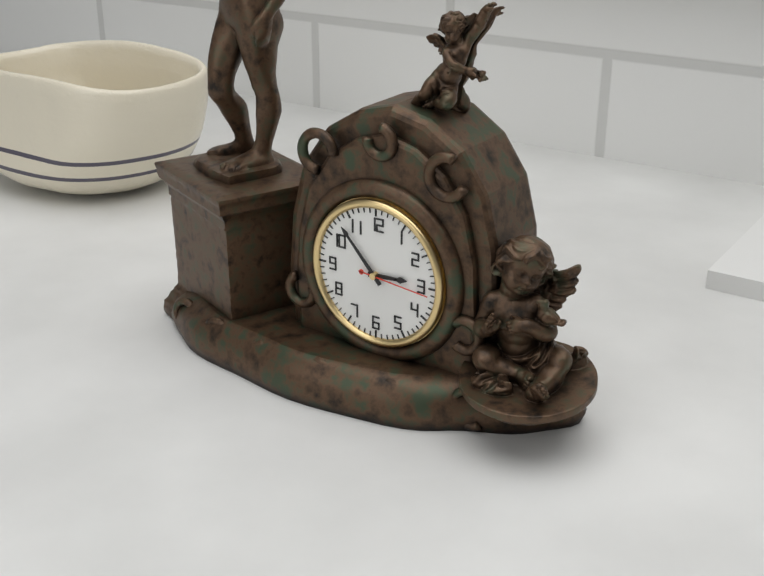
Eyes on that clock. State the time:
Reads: 2:53:16
